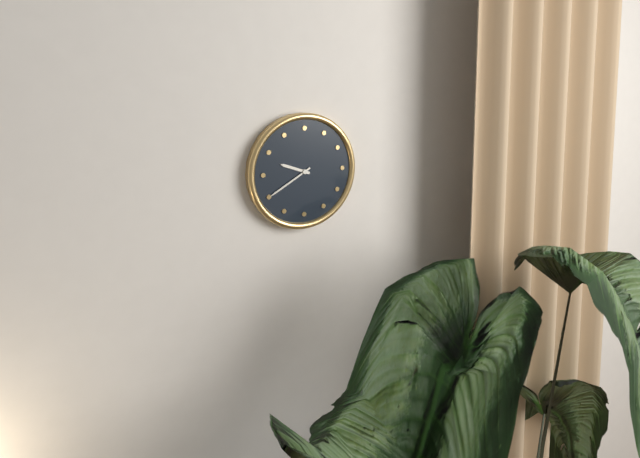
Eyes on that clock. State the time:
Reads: 9:40
